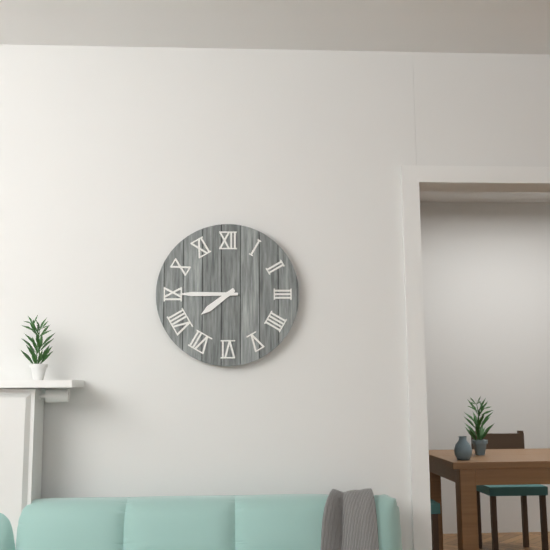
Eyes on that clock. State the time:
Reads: 7:45
